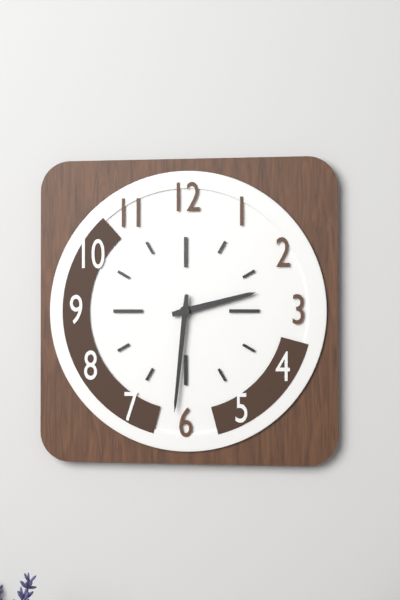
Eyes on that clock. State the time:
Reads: 2:31
